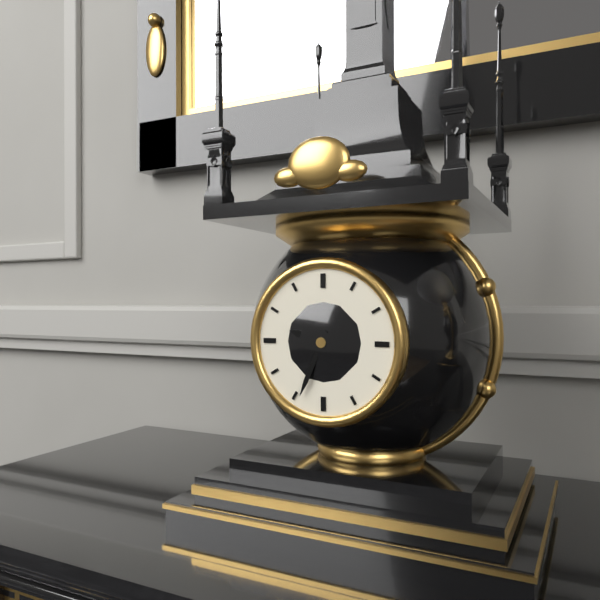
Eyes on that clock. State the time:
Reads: 9:34
